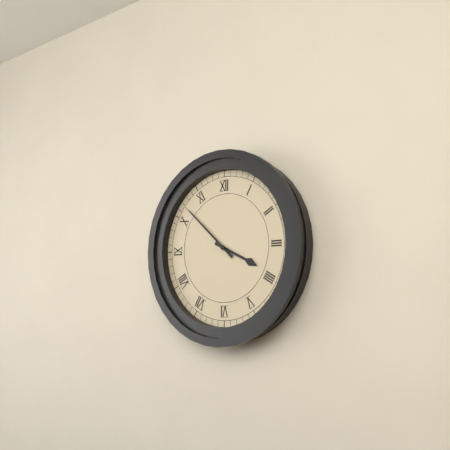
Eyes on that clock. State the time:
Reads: 3:52
